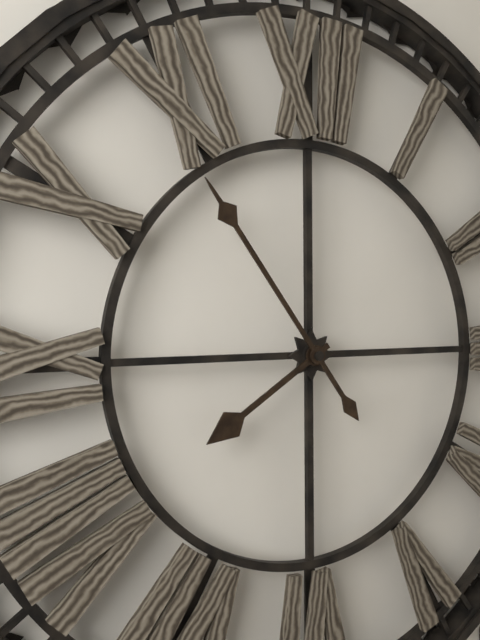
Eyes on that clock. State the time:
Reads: 7:54
